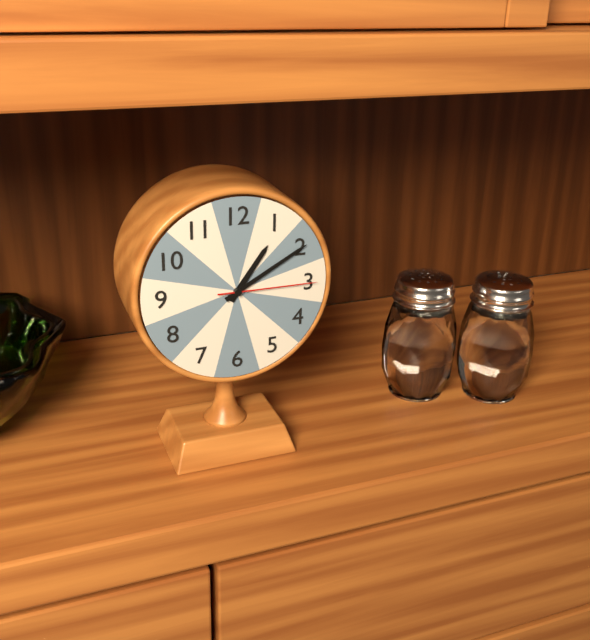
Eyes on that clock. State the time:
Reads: 1:10:15
